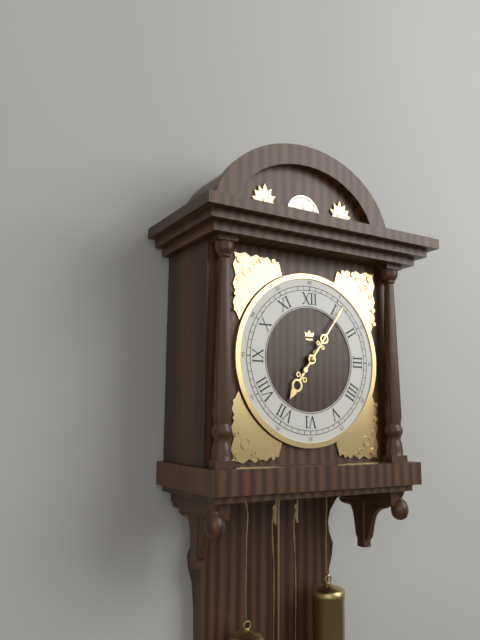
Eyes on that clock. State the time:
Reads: 7:06
